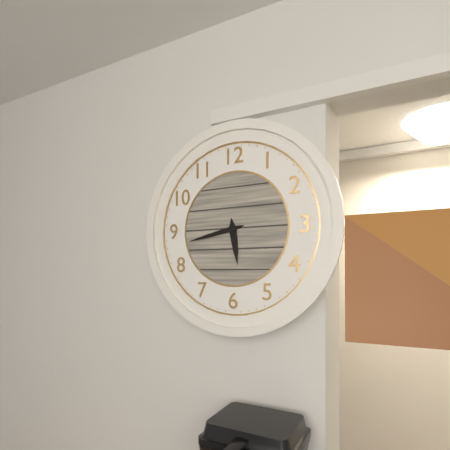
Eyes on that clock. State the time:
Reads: 5:43
